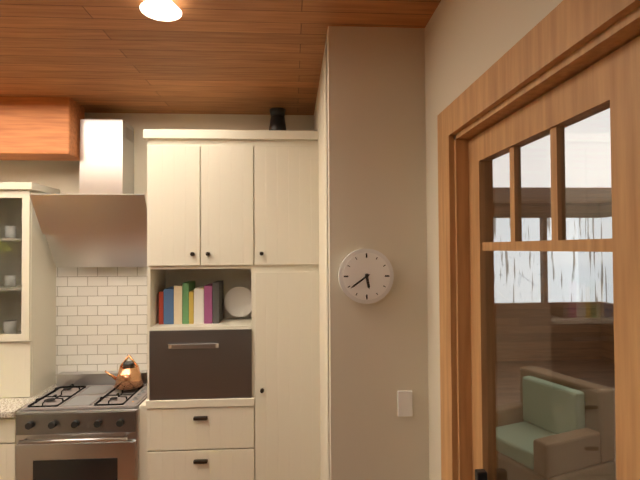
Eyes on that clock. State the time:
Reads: 5:39
